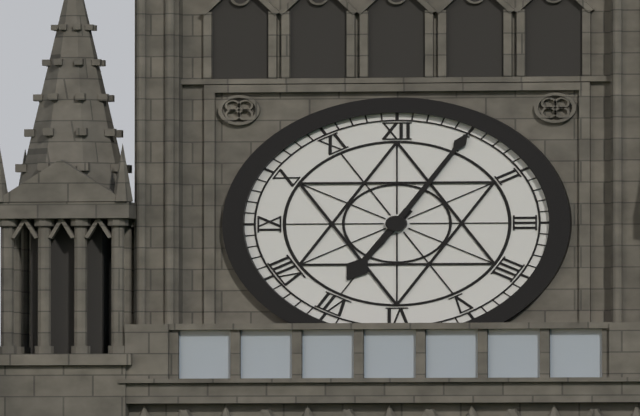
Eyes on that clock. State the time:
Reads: 7:05
